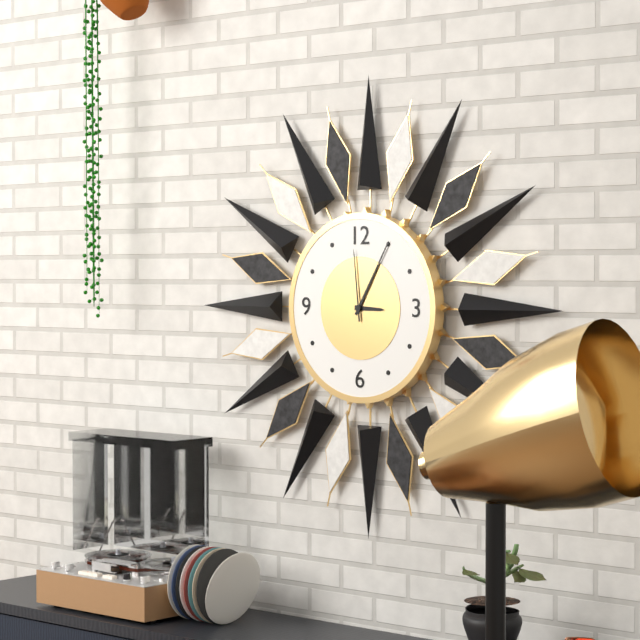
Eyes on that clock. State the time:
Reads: 3:05:59
